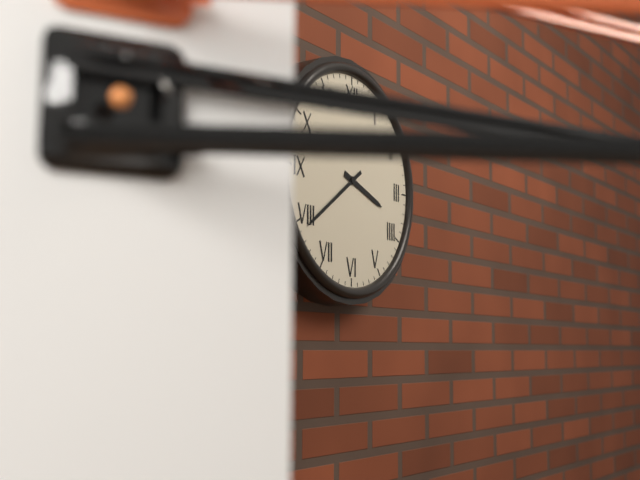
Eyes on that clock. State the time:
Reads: 3:39
